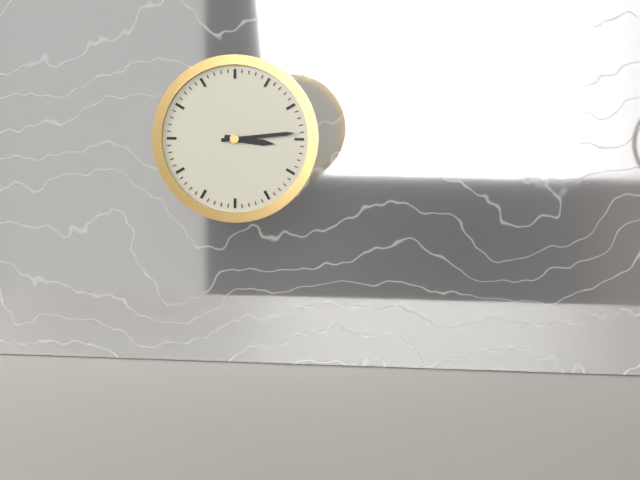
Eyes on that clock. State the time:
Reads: 3:14
